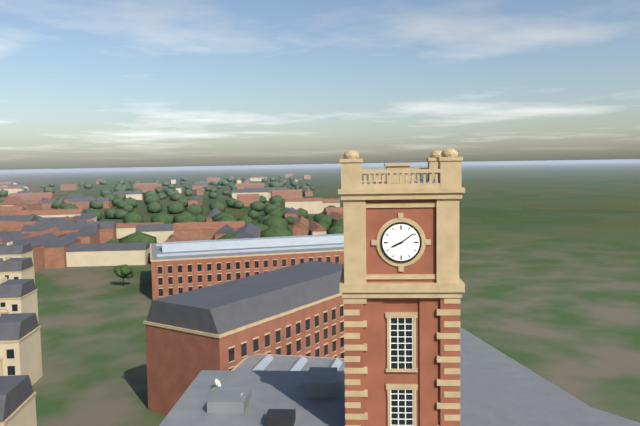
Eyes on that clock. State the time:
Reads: 8:09
